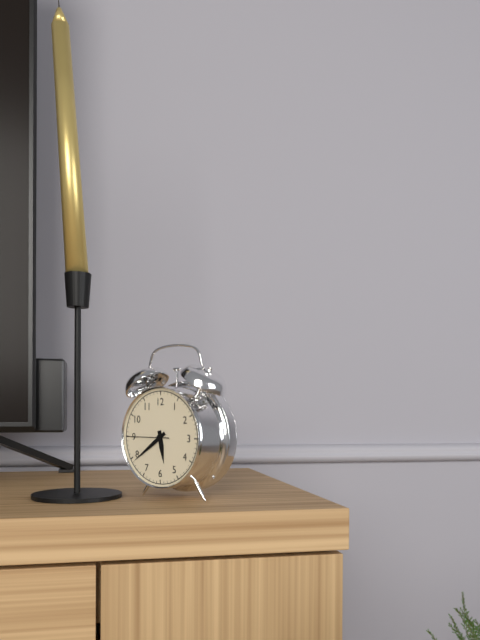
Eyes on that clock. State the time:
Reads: 5:39
